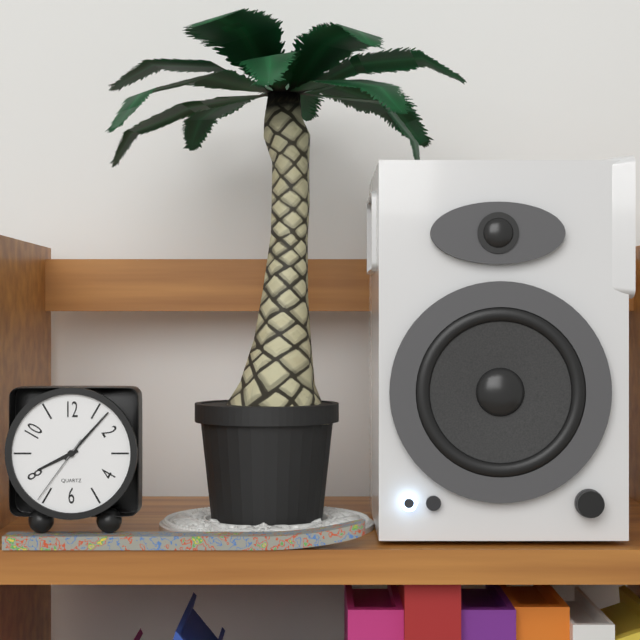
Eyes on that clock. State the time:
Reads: 8:07:36
